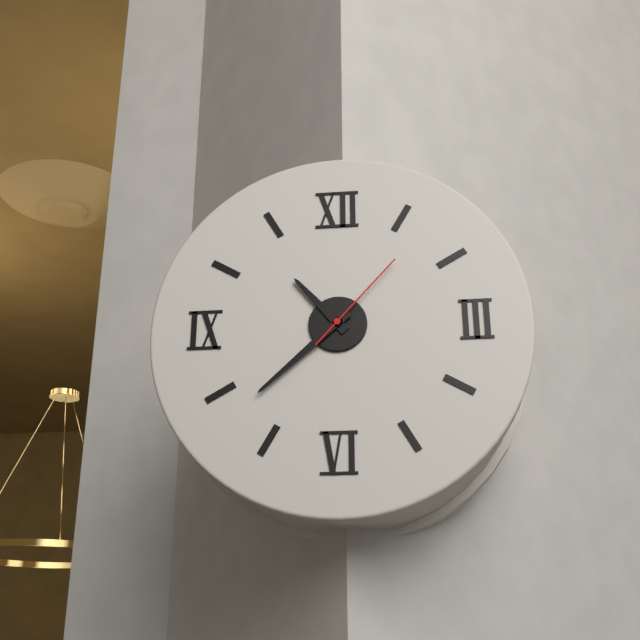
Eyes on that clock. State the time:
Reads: 10:38:07
